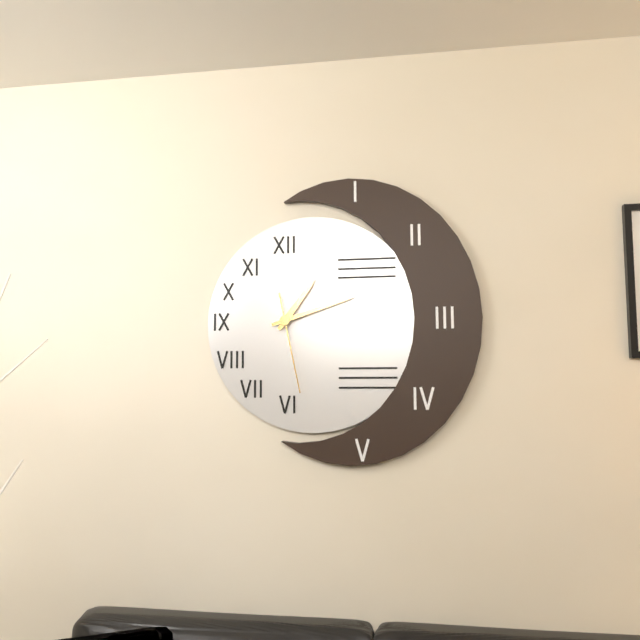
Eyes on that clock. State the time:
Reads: 1:12:28
